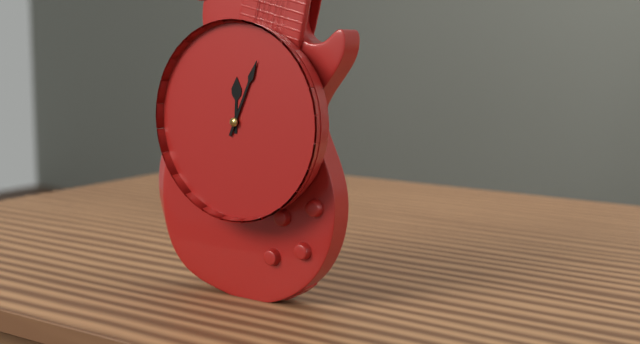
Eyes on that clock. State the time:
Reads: 12:04
